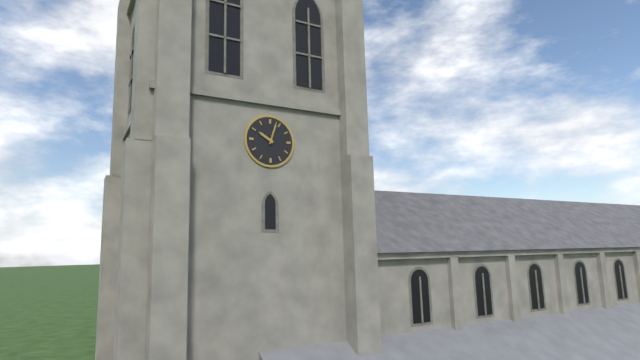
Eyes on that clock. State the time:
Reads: 10:03
